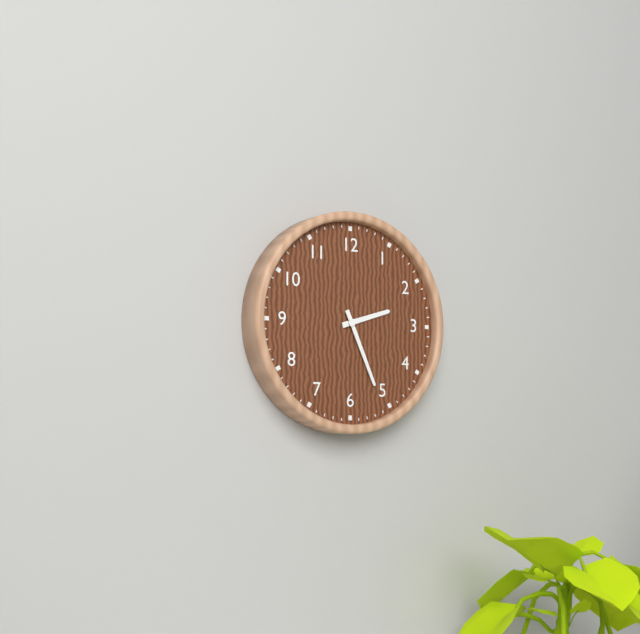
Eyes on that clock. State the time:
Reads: 2:26
